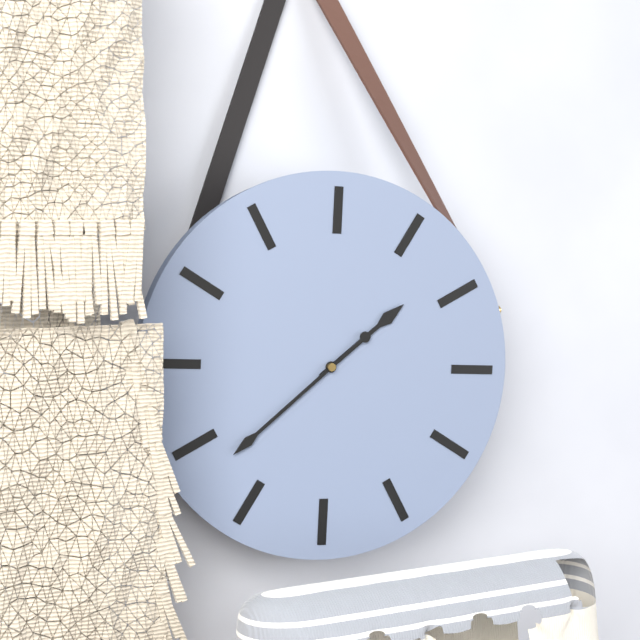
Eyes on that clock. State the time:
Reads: 1:38
